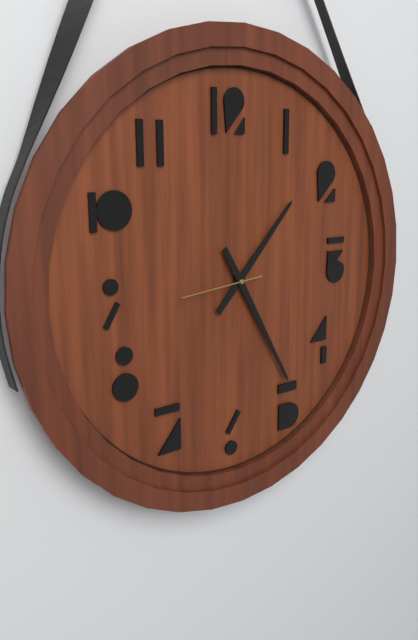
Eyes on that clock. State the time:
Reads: 1:25:44
